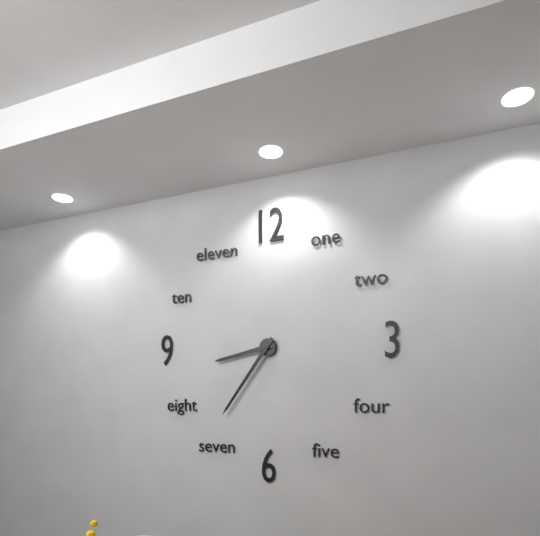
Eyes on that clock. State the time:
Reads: 8:36
